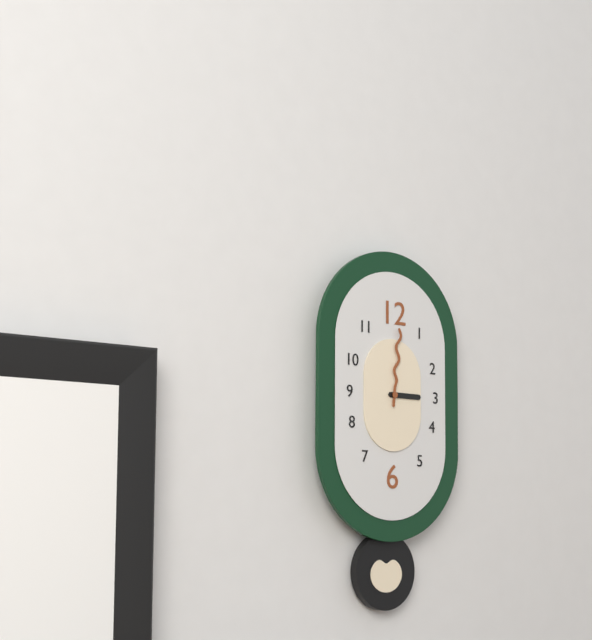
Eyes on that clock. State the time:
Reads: 3:01
